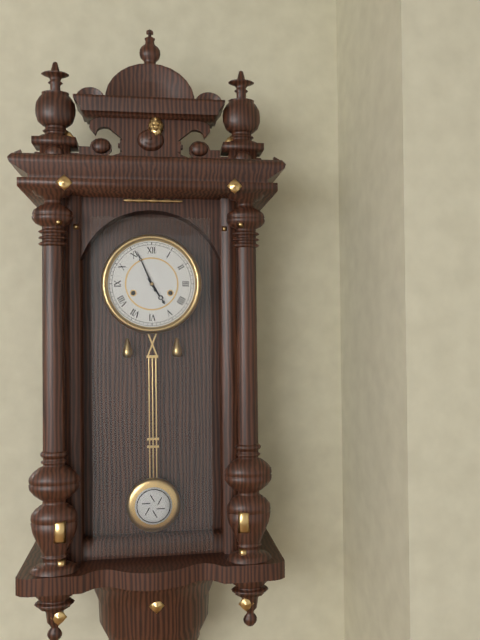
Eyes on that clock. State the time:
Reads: 4:56
